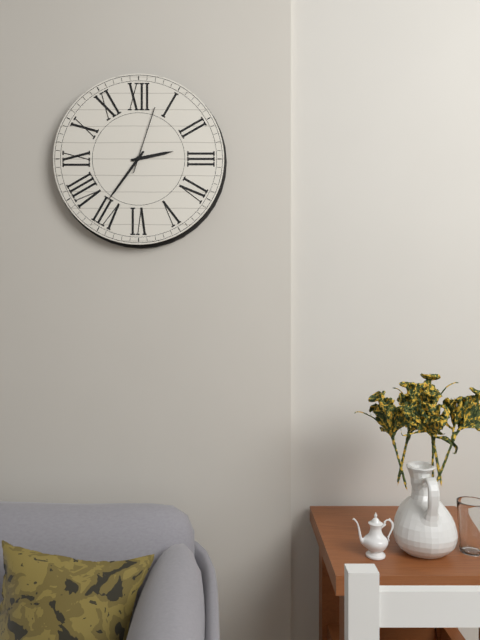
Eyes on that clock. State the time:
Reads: 2:36:03
